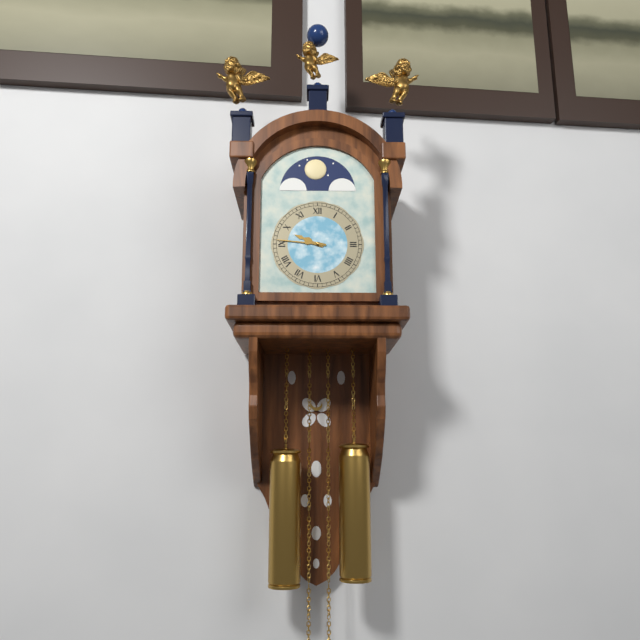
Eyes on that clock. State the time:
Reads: 9:46
